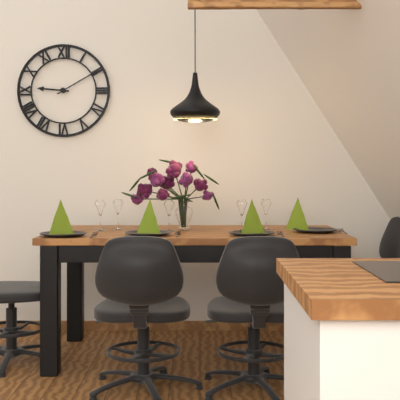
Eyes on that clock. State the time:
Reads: 9:10
